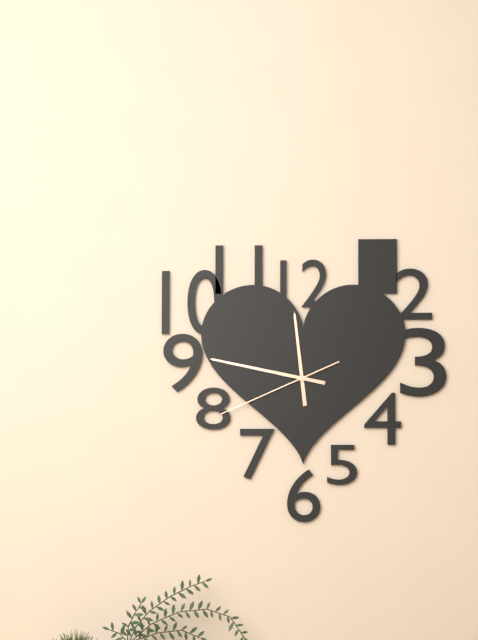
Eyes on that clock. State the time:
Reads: 11:47:41
